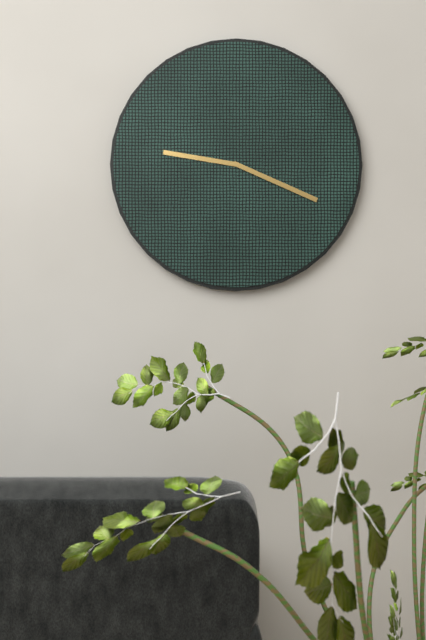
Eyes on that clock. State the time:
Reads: 9:19
